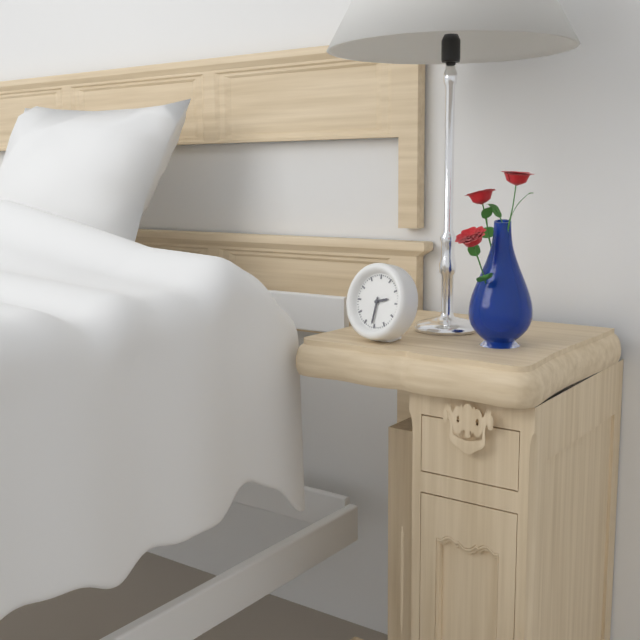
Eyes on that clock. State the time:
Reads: 2:31
